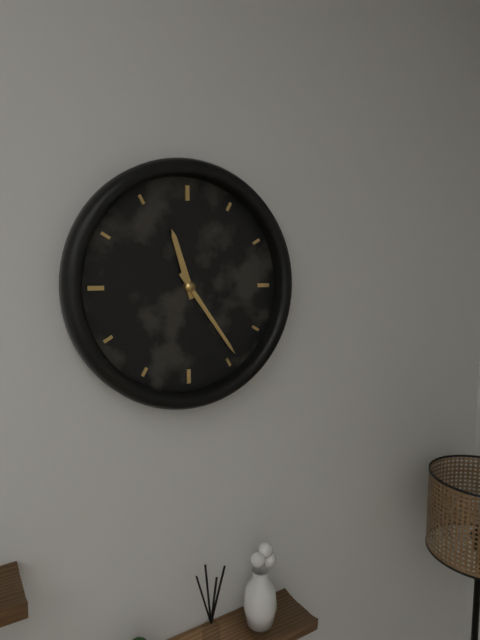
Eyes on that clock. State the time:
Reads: 11:24
